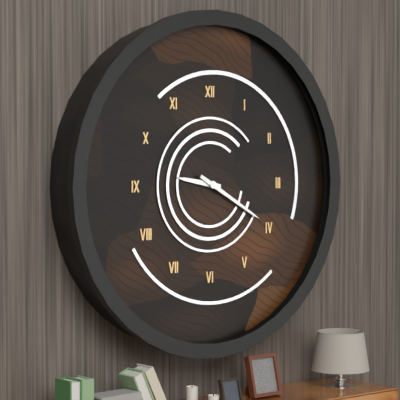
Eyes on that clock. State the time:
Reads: 9:20
